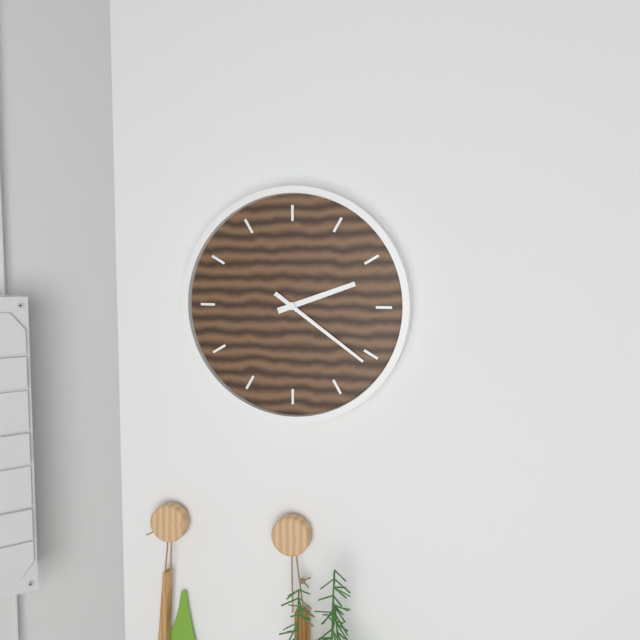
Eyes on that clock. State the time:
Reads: 2:21
